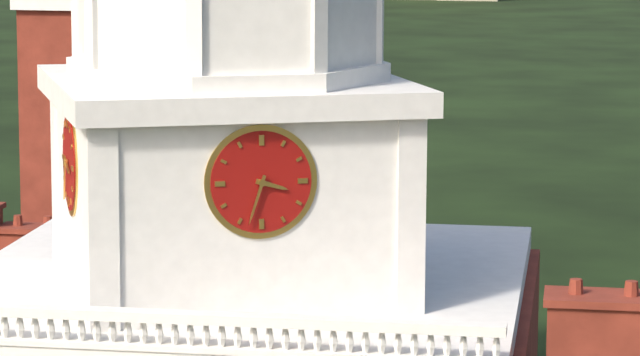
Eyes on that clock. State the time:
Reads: 3:33
